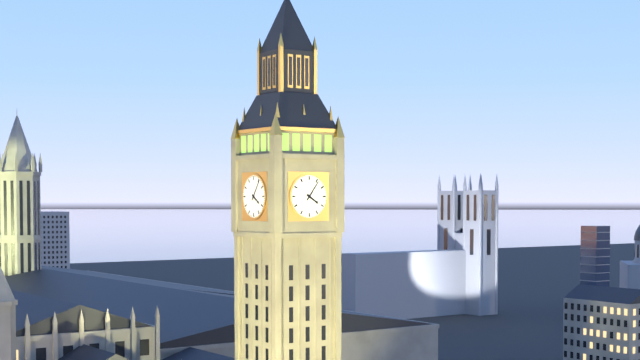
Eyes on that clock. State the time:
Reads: 4:06
